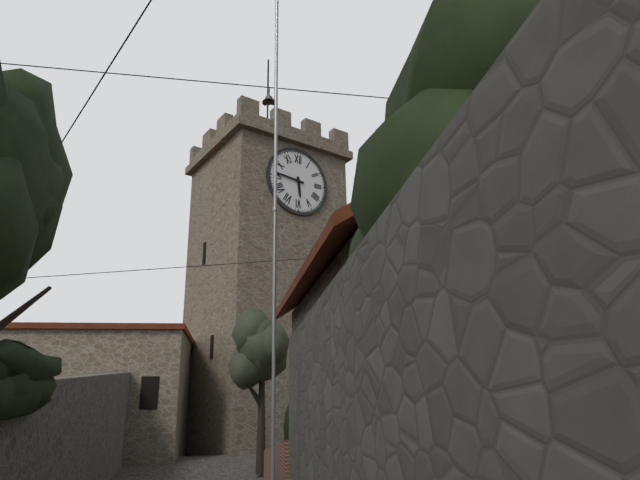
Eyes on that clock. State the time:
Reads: 5:46
